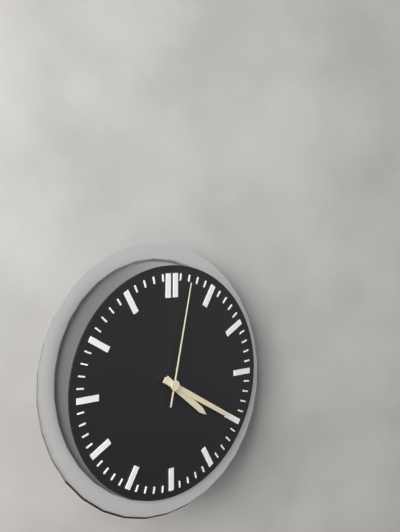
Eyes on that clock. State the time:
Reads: 4:20:02
